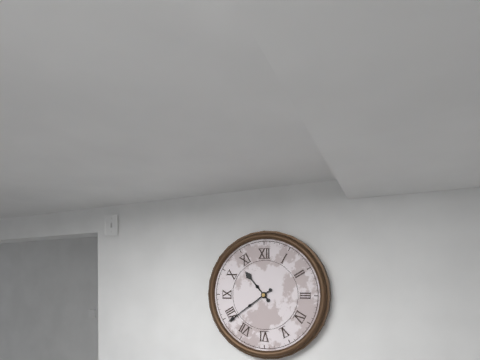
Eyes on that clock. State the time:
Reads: 10:39
